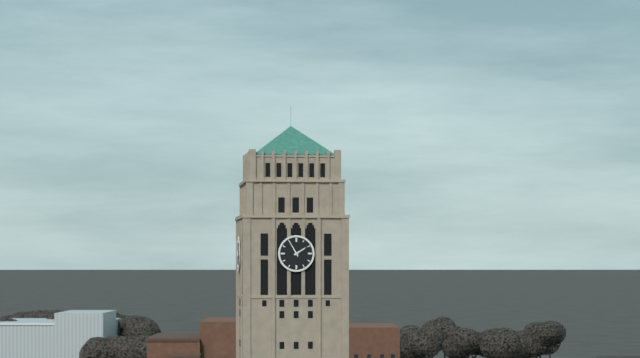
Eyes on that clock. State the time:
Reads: 1:55
